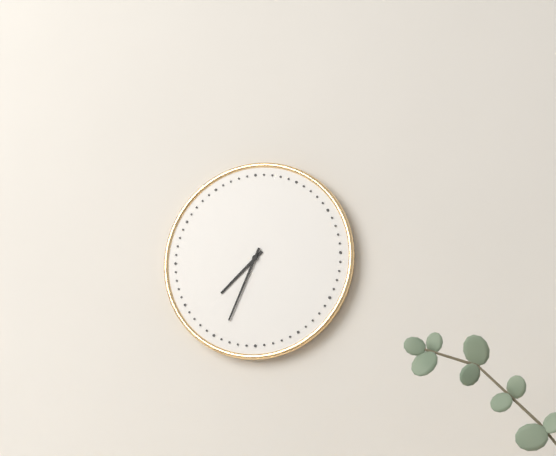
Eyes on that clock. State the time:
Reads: 7:34
